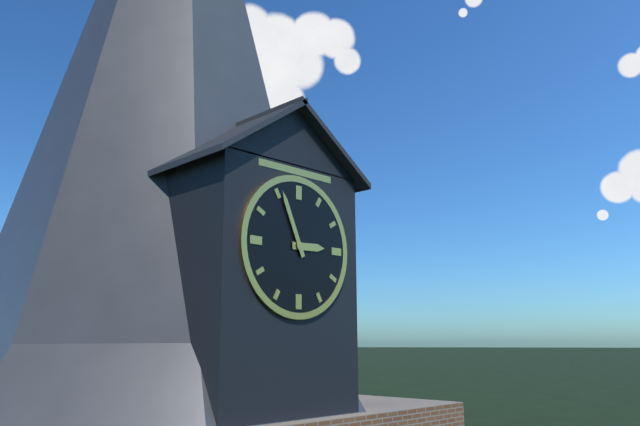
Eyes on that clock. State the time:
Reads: 2:56
